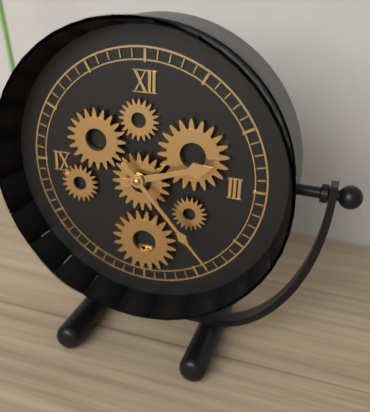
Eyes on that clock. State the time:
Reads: 2:23
